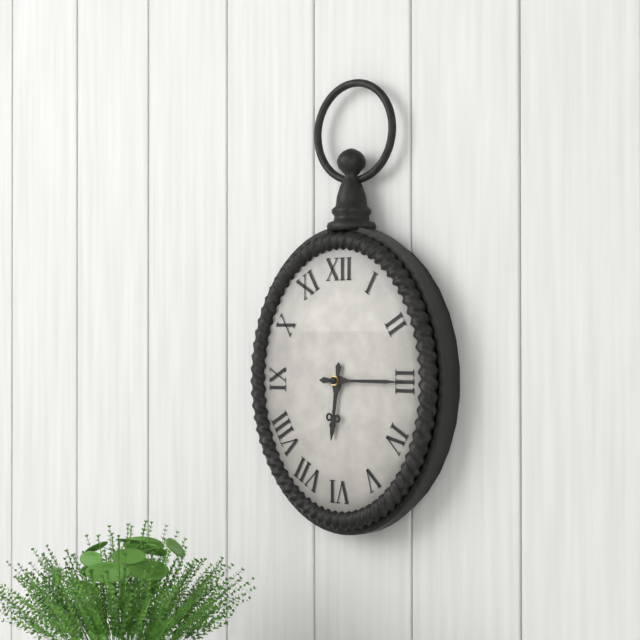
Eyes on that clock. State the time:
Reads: 6:15
